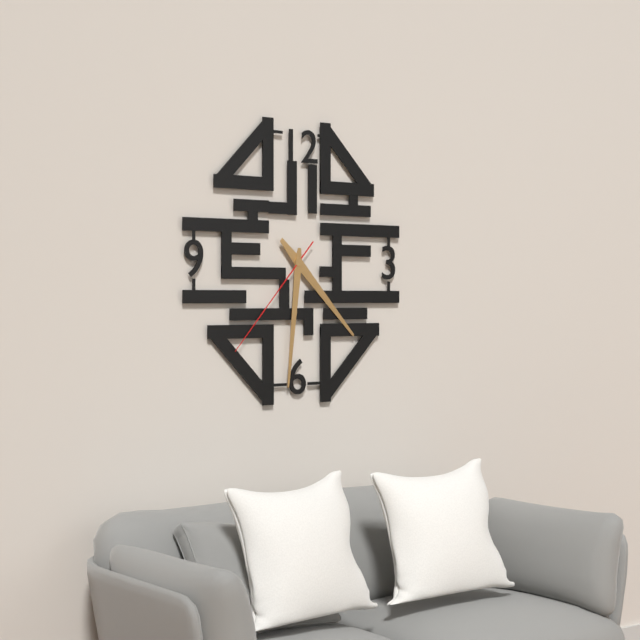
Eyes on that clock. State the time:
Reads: 4:31:37
